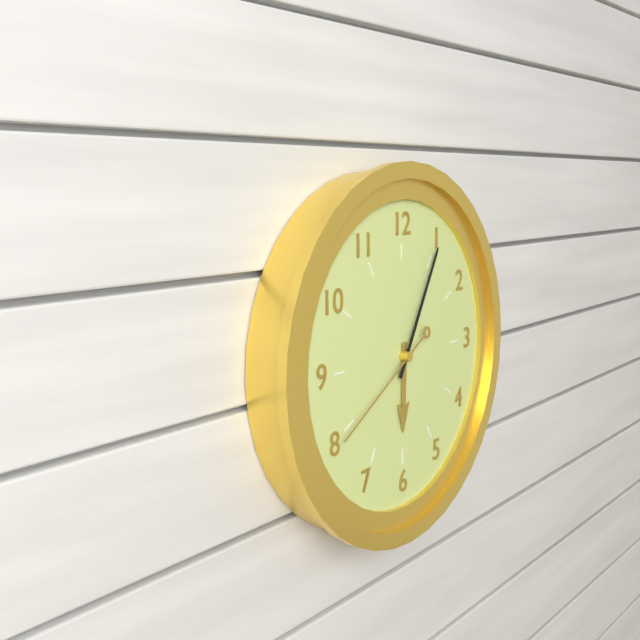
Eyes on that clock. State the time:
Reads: 6:05:40
